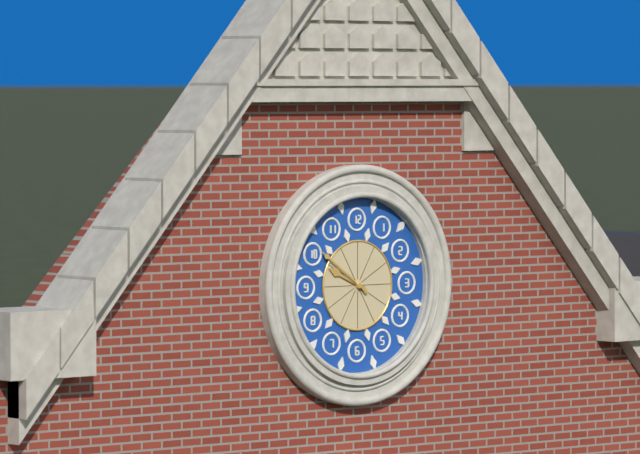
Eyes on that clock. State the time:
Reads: 9:51
